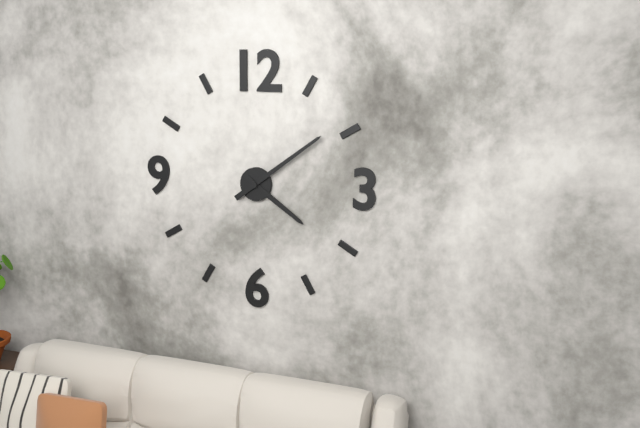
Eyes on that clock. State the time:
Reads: 4:09
